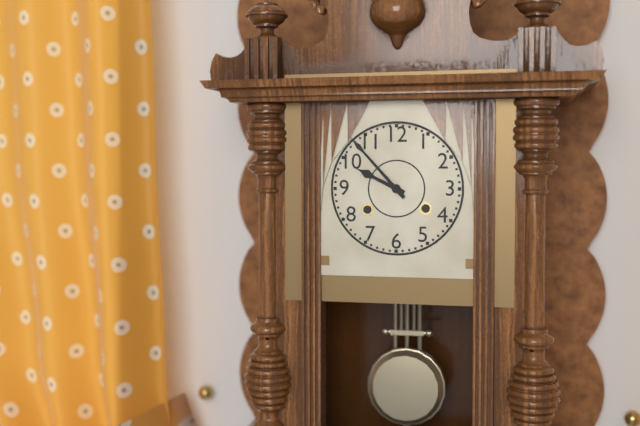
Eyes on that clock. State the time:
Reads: 9:53
